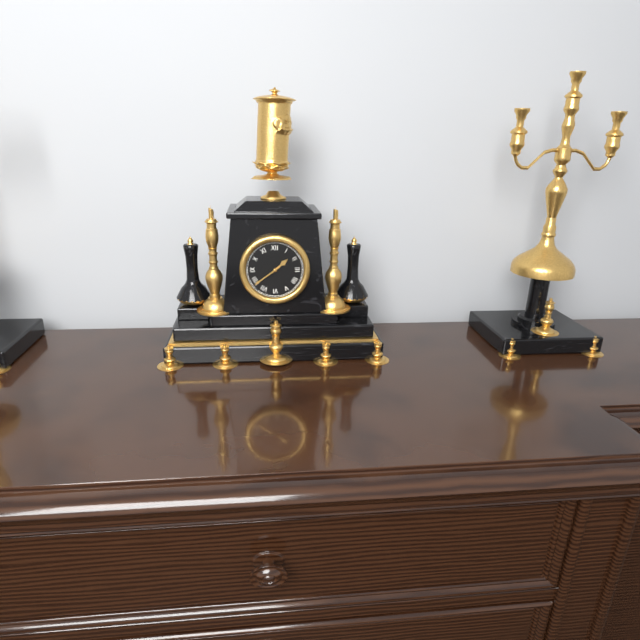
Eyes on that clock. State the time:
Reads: 1:39
